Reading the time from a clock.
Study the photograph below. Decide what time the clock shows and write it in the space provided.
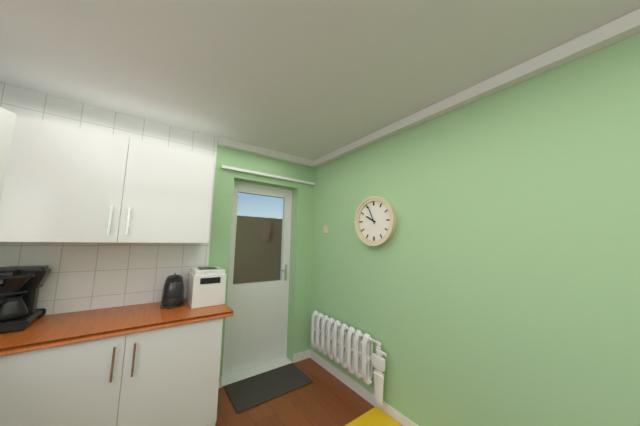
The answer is 9:56
